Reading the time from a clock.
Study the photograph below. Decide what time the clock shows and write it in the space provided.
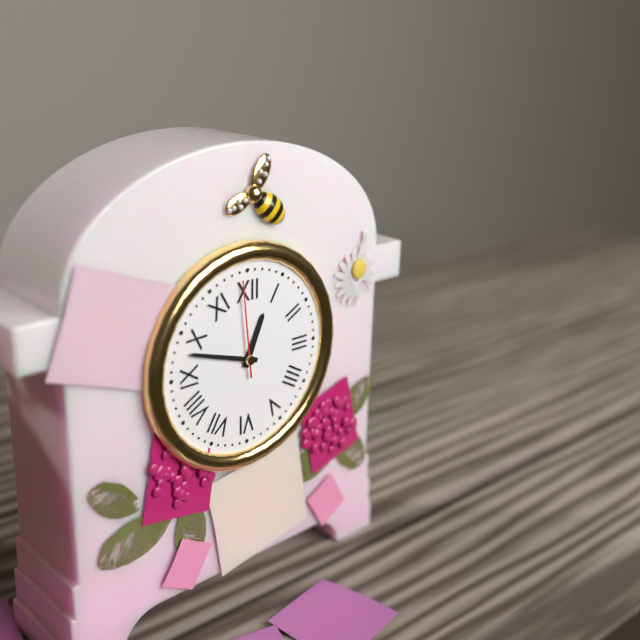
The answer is 12:48:59
